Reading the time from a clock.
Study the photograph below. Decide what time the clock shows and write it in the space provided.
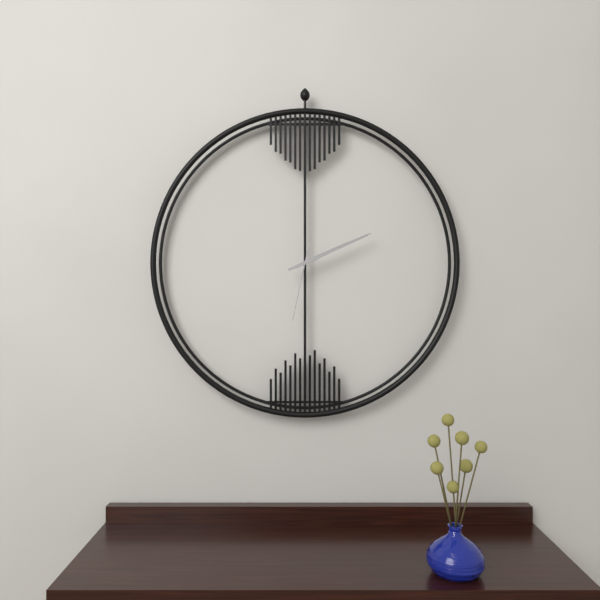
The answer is 2:11:32
